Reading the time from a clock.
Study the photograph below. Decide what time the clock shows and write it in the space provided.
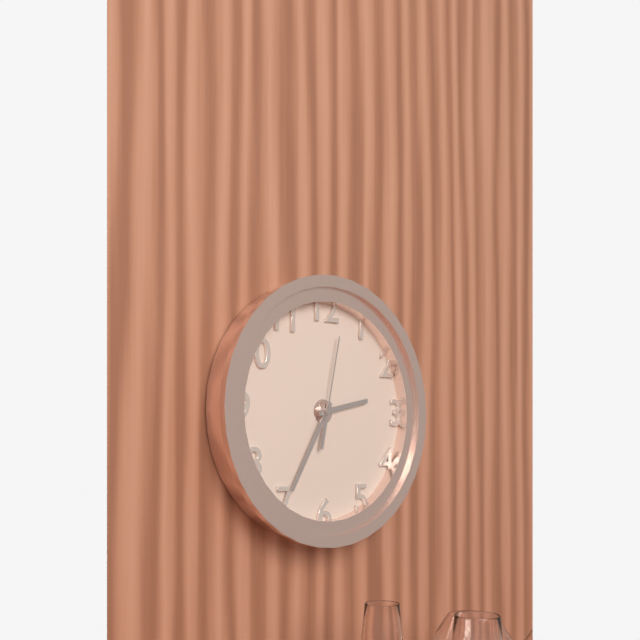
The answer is 2:35:02
